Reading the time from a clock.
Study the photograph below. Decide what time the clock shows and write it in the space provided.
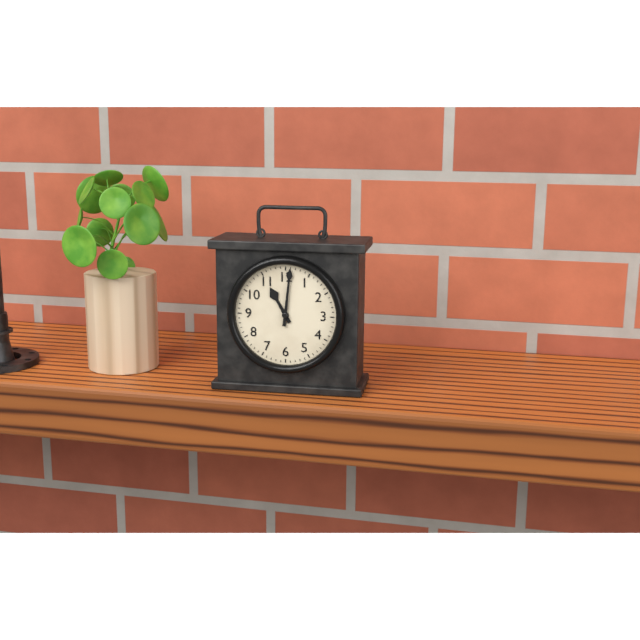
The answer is 11:01
